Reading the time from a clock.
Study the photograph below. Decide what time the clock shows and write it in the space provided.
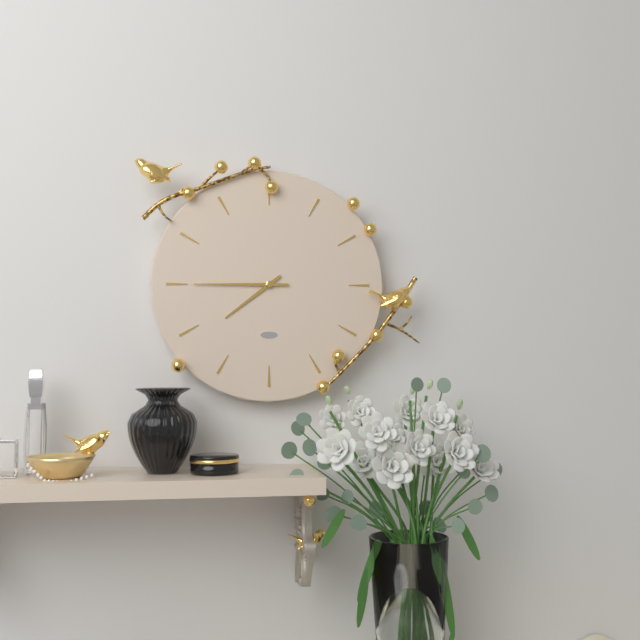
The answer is 7:45
